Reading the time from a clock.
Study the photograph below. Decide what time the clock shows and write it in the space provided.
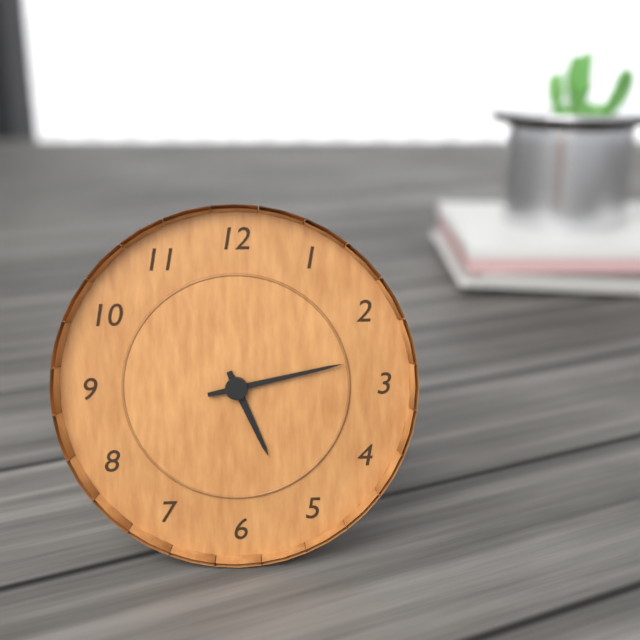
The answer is 5:13
